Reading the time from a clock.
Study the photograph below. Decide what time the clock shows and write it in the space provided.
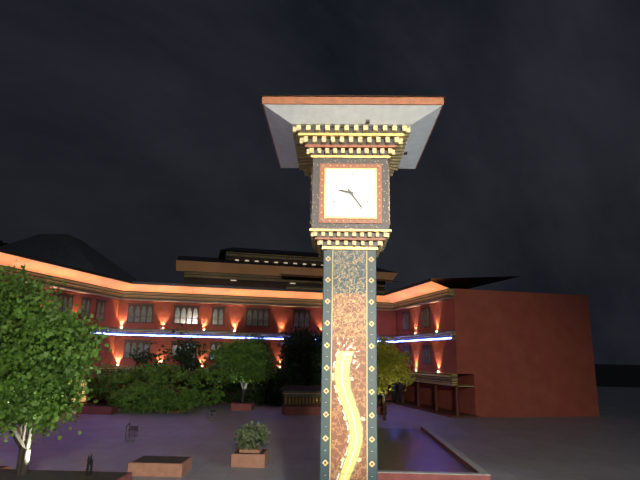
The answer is 9:24
